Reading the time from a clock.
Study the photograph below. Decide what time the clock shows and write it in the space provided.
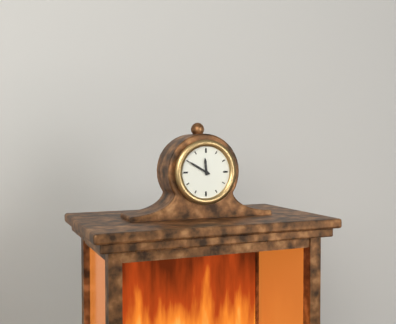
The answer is 11:50
